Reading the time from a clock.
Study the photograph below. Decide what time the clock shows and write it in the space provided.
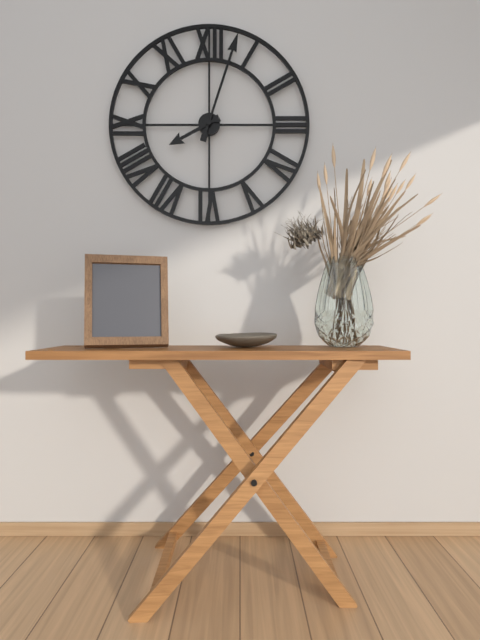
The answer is 8:03
